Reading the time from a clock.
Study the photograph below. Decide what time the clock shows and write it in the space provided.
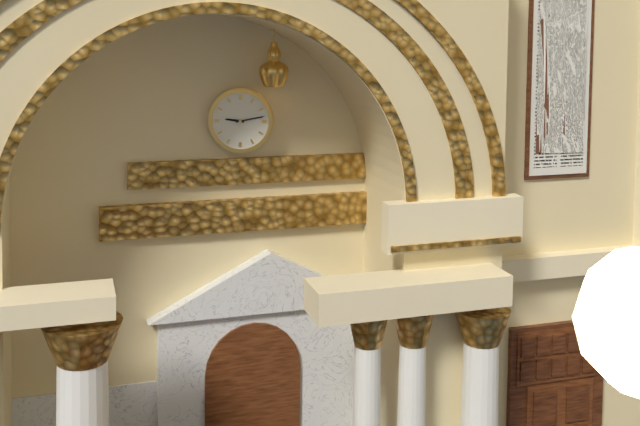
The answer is 9:13
